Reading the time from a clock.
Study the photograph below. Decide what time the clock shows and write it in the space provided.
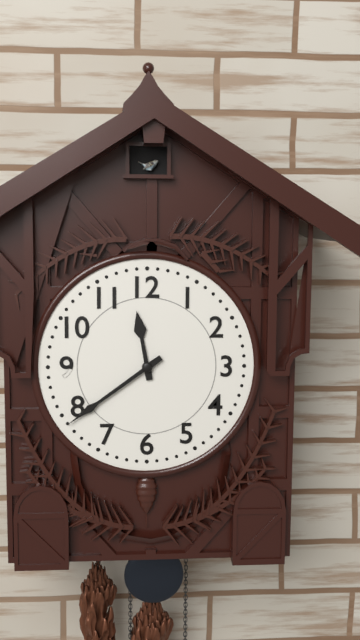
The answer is 11:39
